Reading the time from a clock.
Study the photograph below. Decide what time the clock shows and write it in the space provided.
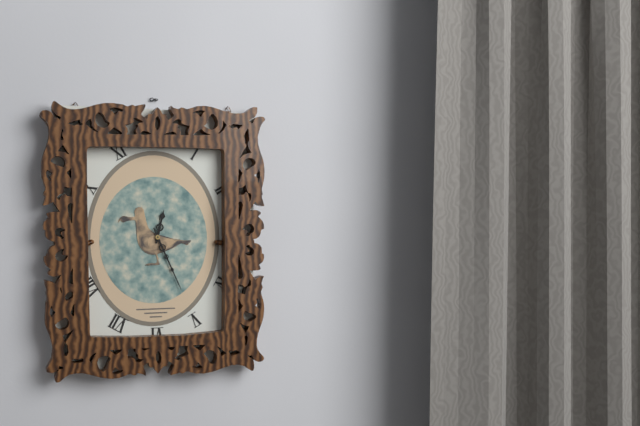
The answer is 12:26
